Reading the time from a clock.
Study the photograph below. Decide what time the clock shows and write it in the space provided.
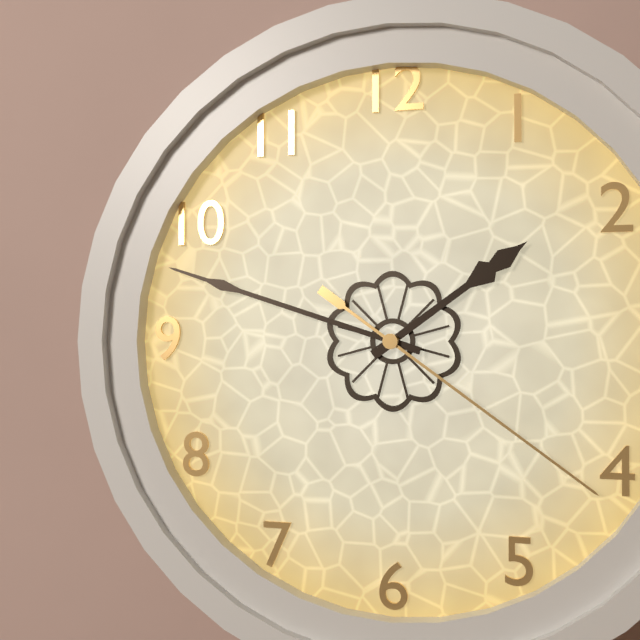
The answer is 1:48:21
